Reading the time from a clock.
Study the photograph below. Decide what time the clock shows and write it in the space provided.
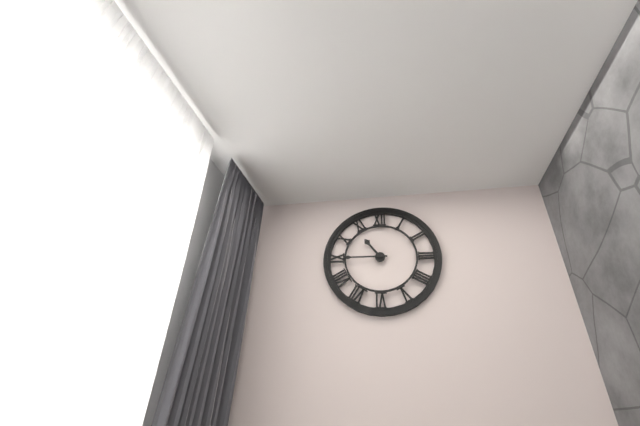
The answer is 10:45
